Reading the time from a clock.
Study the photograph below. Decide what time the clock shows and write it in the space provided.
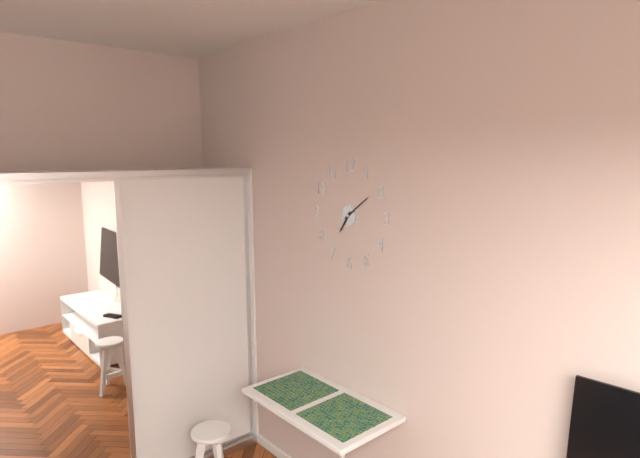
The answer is 7:09
